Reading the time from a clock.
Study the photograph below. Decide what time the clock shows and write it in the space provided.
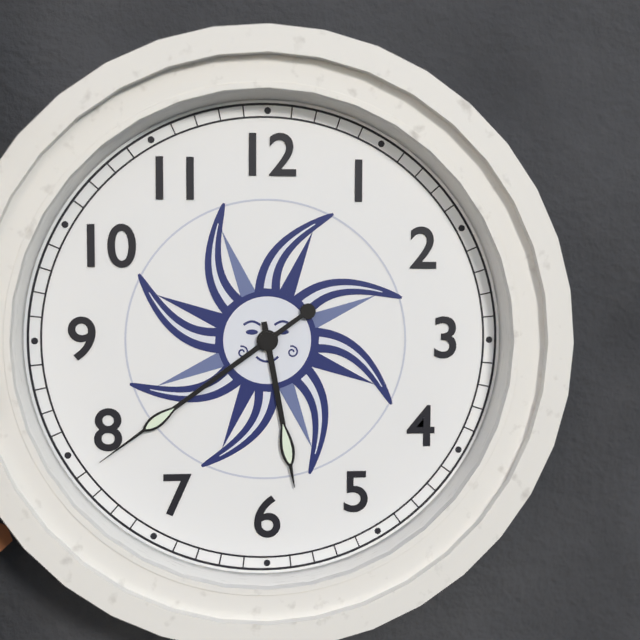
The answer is 5:39
